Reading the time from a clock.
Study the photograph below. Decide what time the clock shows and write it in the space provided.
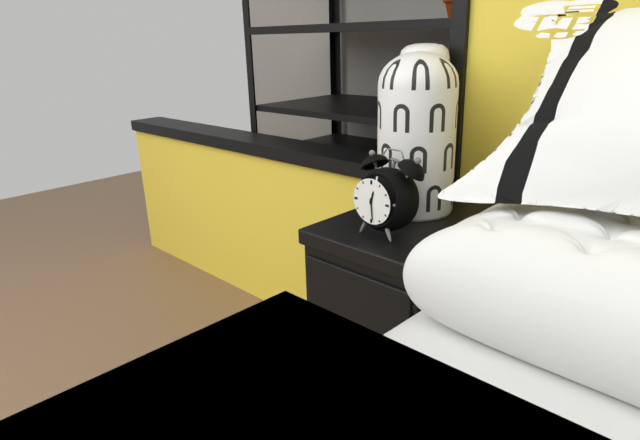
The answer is 12:29
